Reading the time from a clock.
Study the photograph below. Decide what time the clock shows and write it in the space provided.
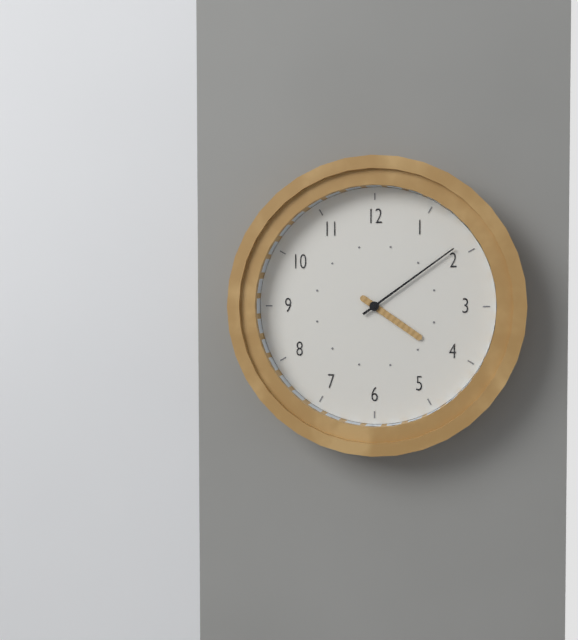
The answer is 4:09
